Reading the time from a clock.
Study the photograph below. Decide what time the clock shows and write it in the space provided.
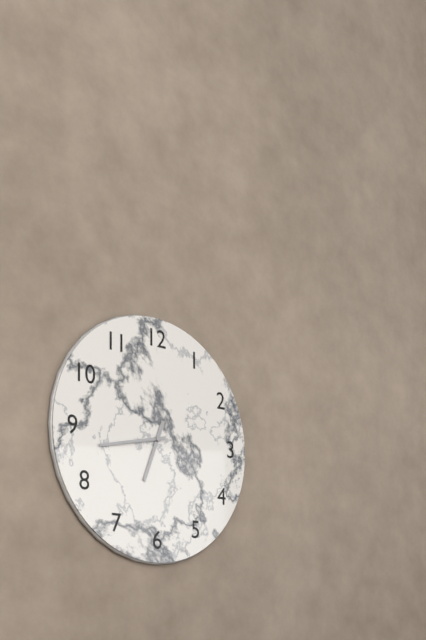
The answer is 6:43
